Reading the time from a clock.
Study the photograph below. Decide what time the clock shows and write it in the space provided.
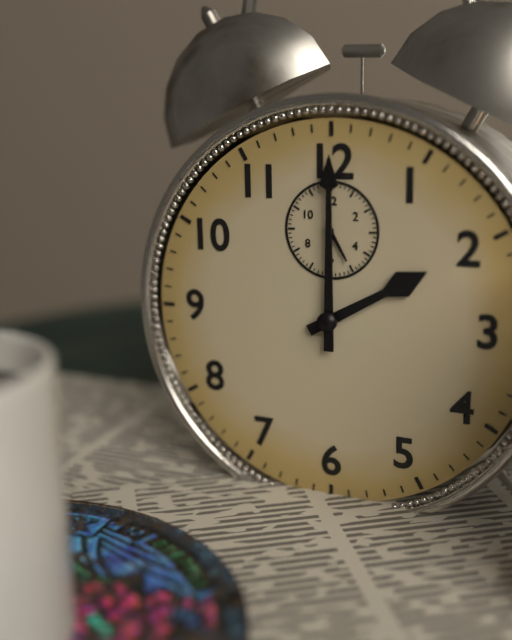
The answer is 2:00
